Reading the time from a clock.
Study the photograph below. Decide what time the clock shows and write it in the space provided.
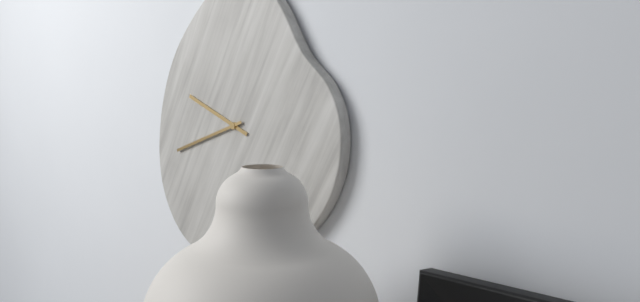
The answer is 9:42
